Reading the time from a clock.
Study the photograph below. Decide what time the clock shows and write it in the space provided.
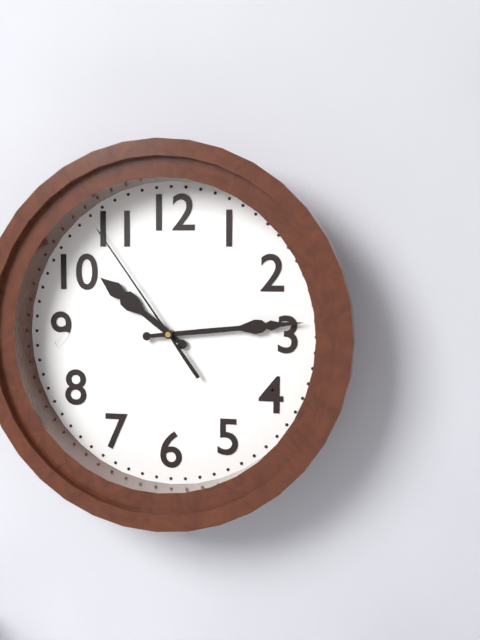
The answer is 10:14:54
